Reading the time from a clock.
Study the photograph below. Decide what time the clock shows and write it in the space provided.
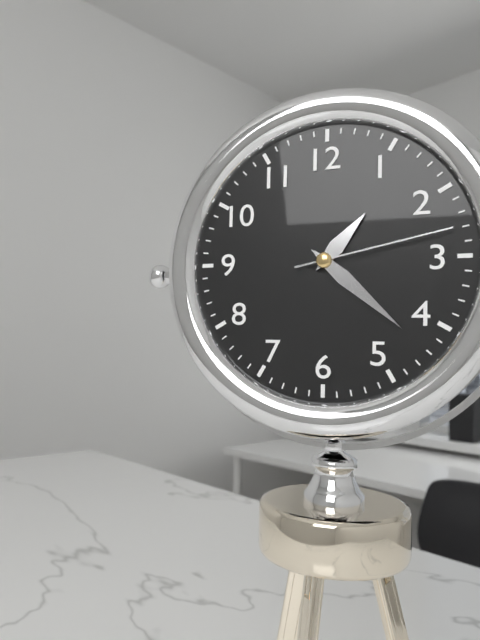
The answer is 1:22:13
